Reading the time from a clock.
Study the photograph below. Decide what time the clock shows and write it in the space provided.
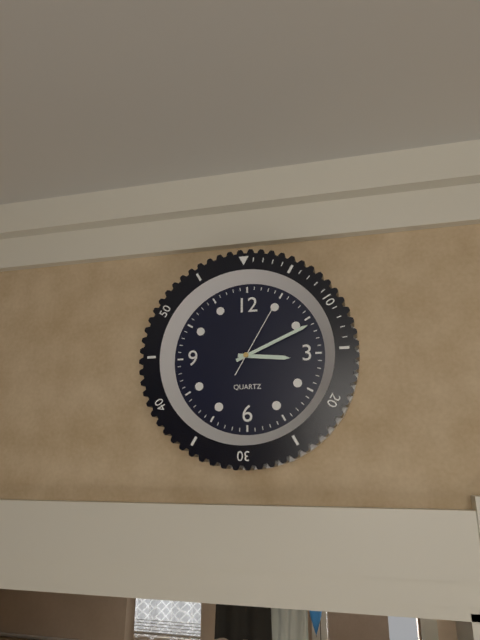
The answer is 3:11:05
